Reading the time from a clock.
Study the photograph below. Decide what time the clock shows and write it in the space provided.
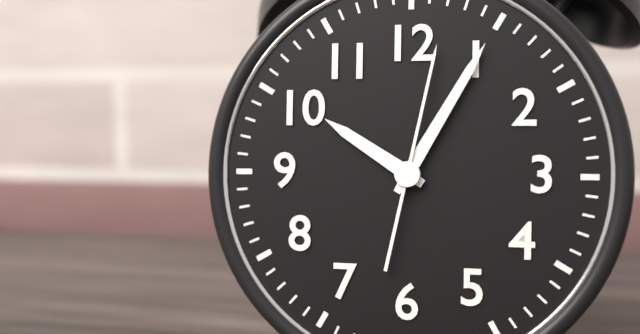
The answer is 10:05:02
